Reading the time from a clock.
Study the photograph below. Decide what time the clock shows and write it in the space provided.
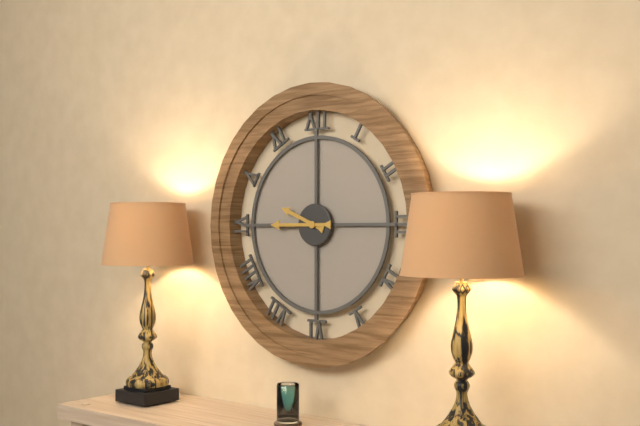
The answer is 9:45
